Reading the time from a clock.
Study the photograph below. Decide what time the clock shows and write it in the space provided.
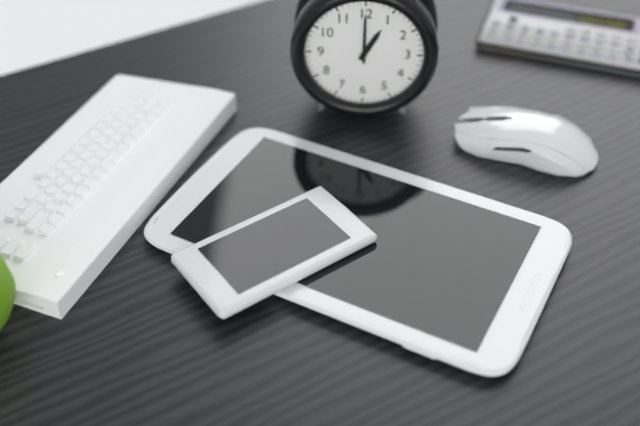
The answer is 1:00
